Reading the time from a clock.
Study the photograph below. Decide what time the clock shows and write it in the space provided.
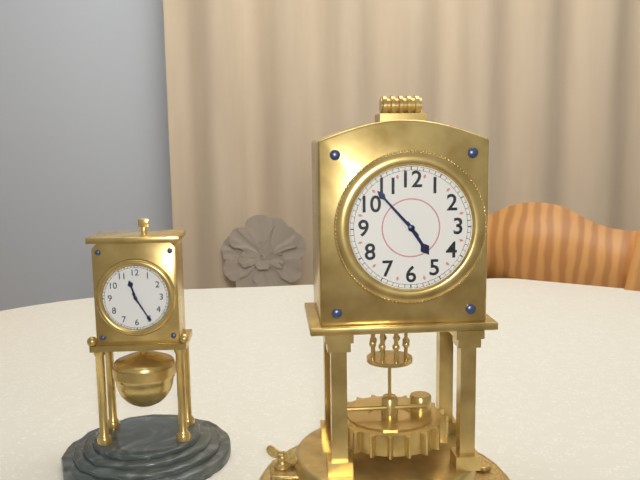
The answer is 4:53
